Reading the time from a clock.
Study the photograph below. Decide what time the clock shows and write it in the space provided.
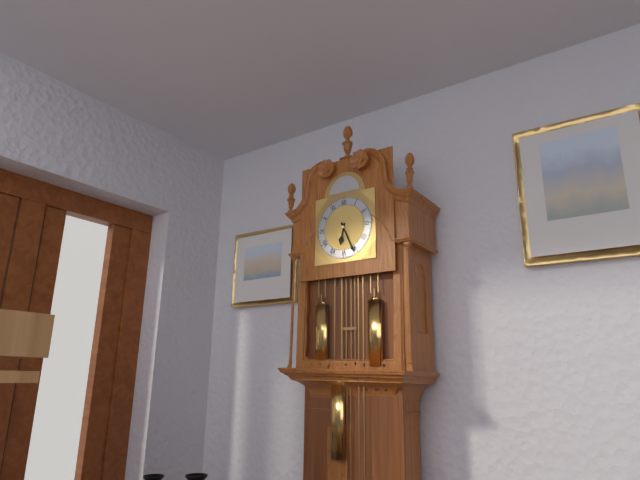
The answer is 6:26
